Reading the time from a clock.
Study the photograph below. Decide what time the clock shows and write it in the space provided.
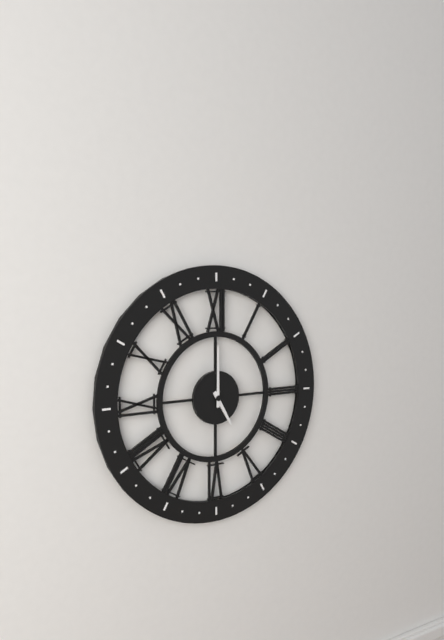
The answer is 5:00
